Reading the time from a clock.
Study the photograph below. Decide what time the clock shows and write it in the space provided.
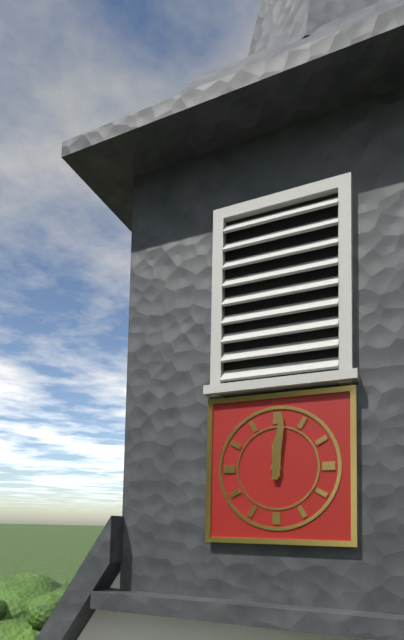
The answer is 12:01
